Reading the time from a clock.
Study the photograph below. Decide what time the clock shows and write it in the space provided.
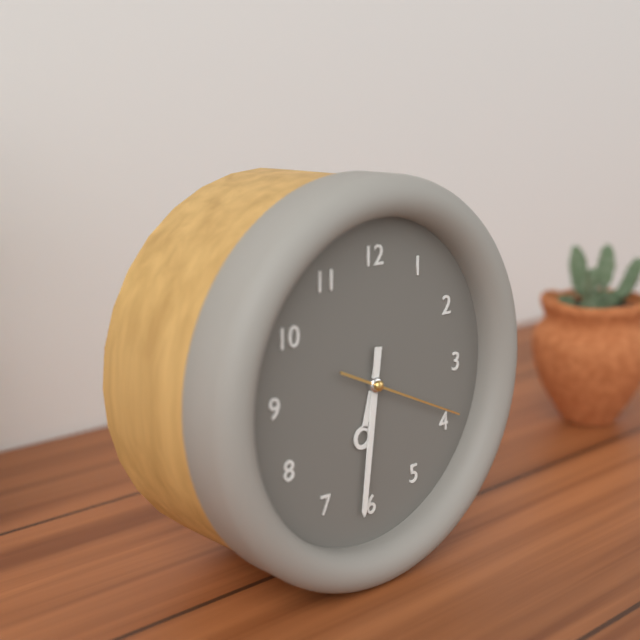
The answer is 6:31:19
